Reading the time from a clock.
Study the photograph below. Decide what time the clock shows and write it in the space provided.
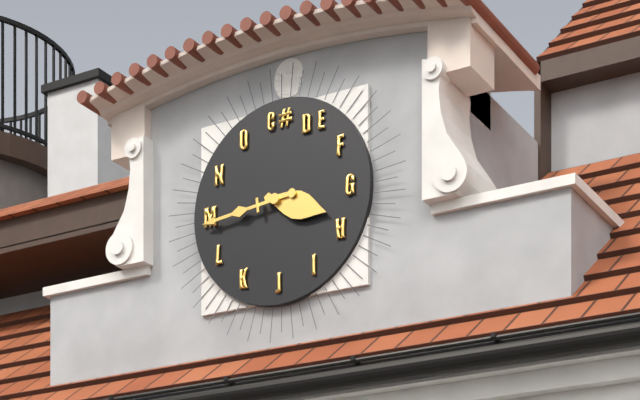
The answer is 3:44
